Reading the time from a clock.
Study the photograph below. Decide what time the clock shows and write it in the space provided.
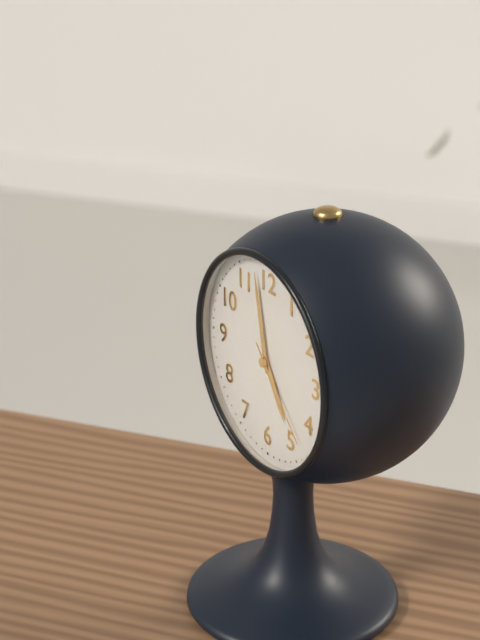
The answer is 4:58:23
